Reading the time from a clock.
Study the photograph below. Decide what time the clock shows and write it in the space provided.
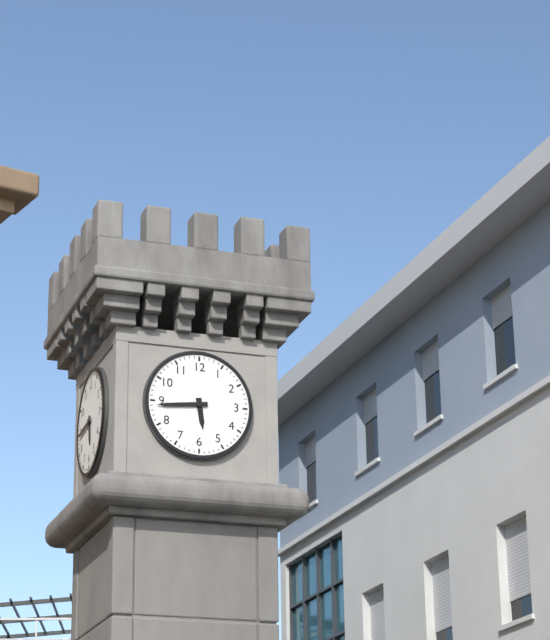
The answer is 5:44
